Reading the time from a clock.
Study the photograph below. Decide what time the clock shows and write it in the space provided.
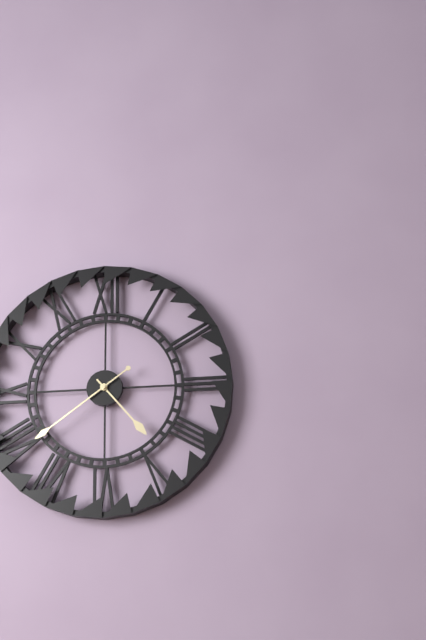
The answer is 4:39
